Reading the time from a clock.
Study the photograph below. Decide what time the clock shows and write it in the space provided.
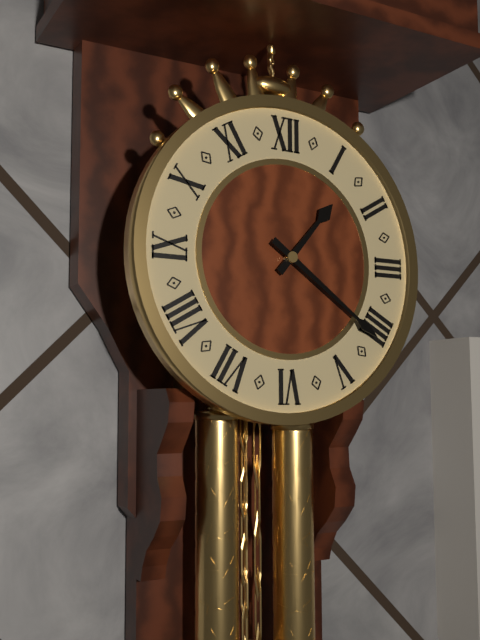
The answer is 1:21
